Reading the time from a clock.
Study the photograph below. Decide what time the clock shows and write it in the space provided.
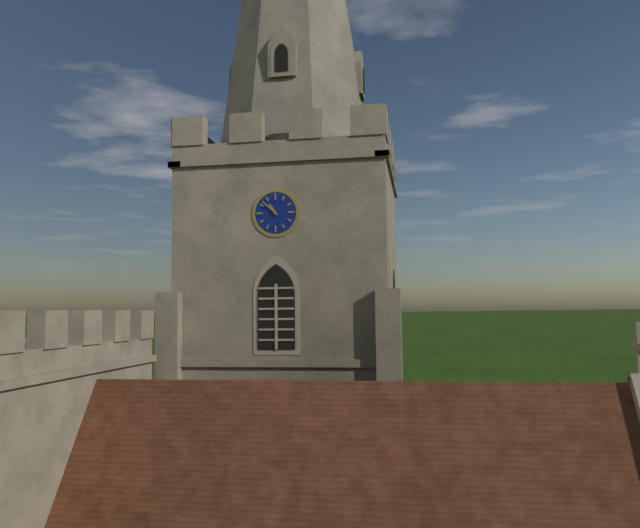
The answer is 10:52
